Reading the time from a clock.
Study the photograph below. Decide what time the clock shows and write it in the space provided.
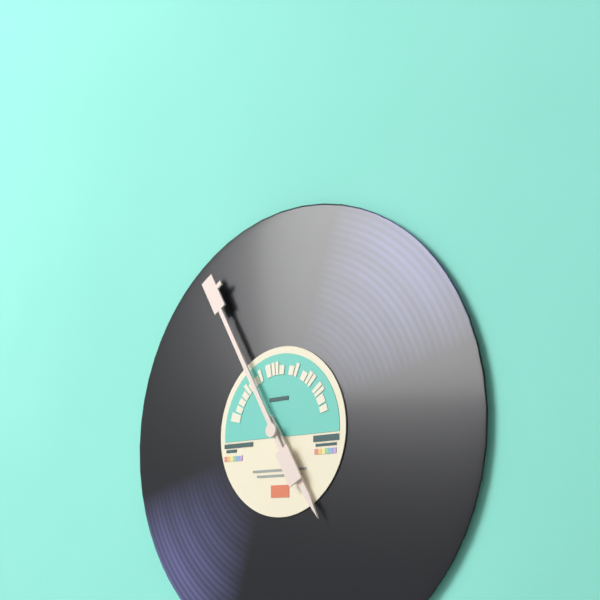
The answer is 4:55
